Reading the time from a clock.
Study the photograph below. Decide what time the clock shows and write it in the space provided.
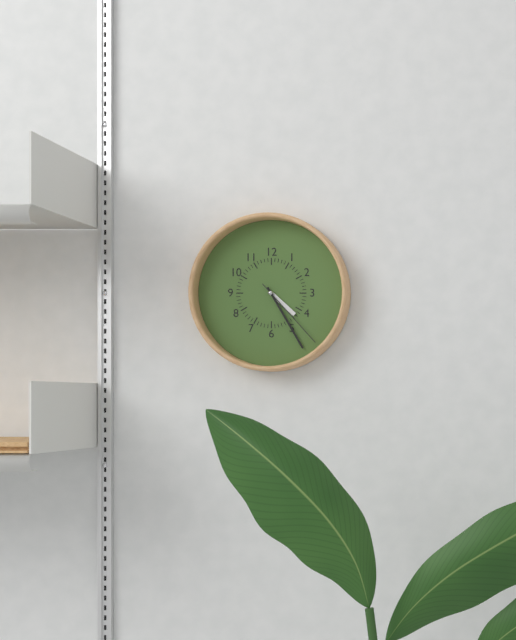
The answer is 4:25:23
